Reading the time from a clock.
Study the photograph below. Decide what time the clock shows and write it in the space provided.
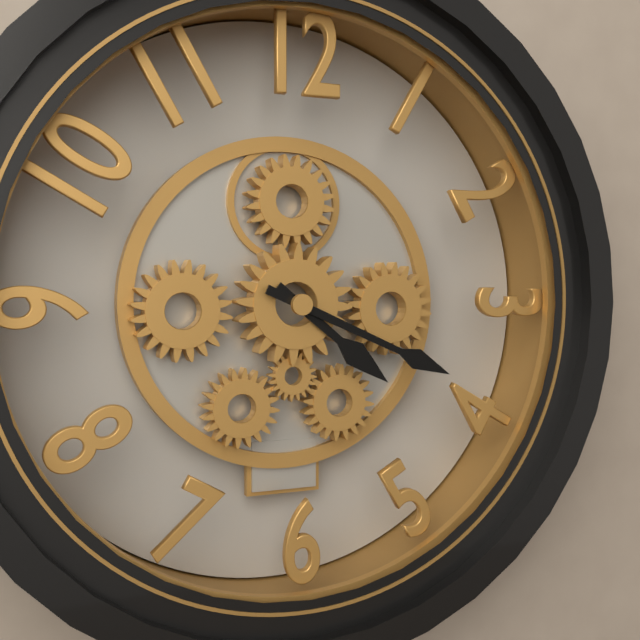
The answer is 4:19
